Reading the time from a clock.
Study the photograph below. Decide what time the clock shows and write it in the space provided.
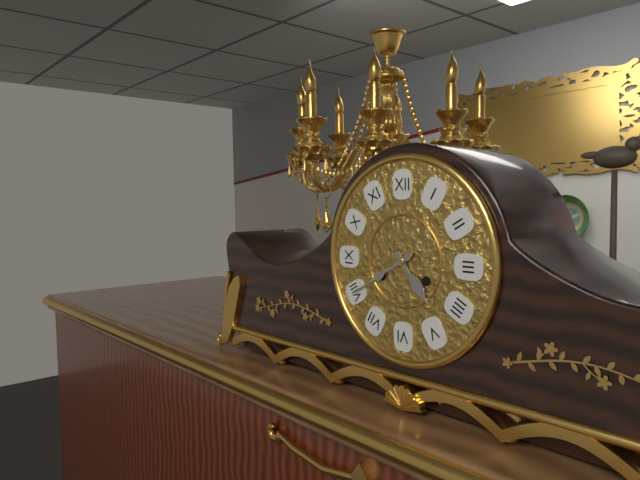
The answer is 4:40
